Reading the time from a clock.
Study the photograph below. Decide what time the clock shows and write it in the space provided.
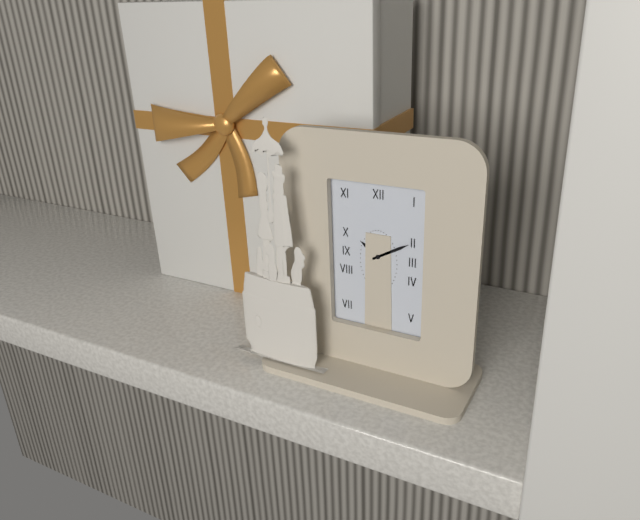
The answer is 10:10
